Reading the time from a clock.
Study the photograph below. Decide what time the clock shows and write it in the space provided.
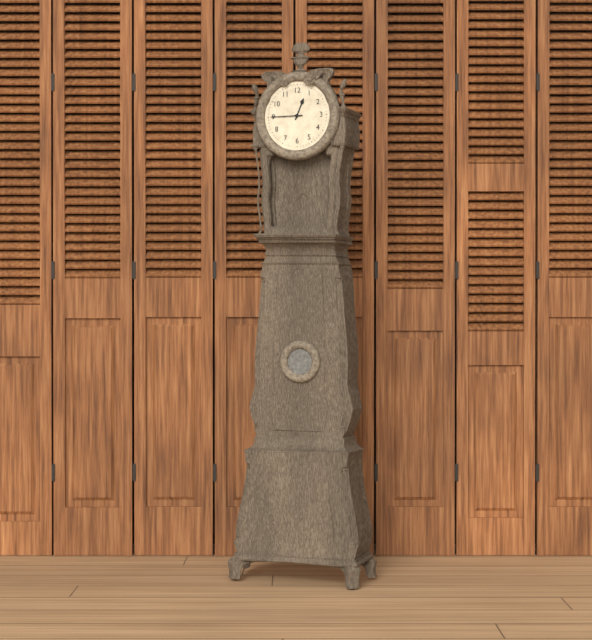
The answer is 12:45
